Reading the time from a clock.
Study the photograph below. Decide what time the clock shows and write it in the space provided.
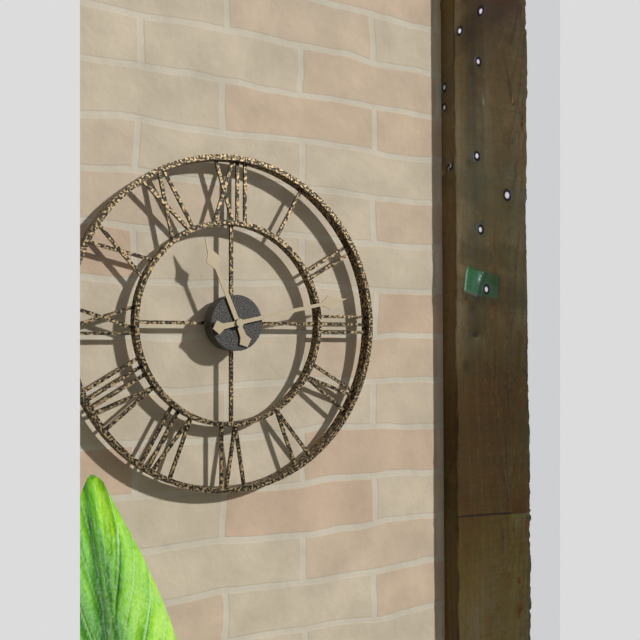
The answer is 11:13
